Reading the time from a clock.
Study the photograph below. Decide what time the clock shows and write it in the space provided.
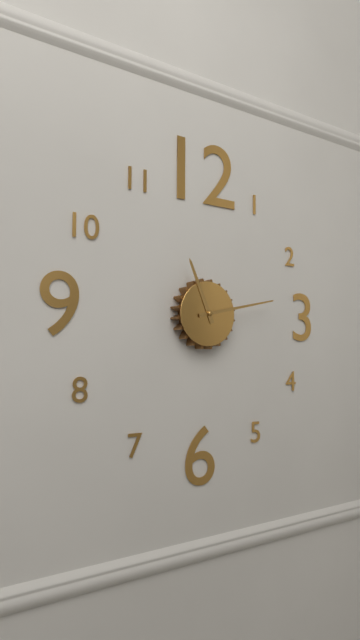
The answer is 11:13
